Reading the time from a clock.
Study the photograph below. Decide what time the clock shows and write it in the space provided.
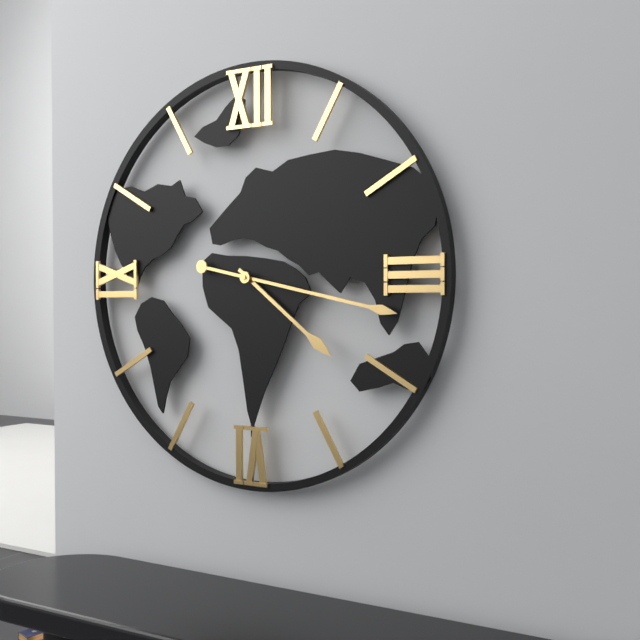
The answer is 4:17
